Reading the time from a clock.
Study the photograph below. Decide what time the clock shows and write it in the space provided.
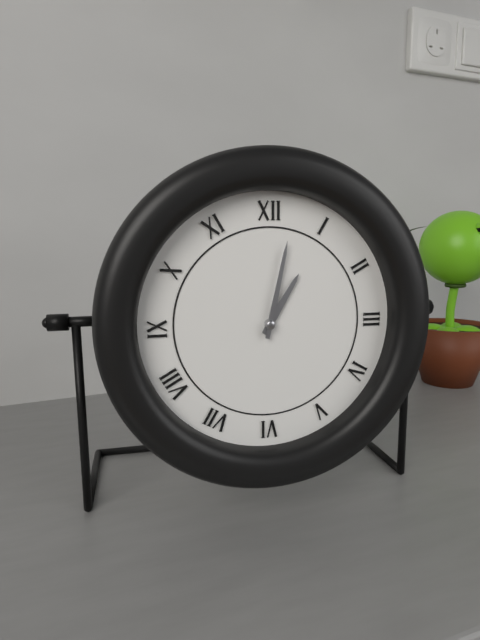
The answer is 1:02
